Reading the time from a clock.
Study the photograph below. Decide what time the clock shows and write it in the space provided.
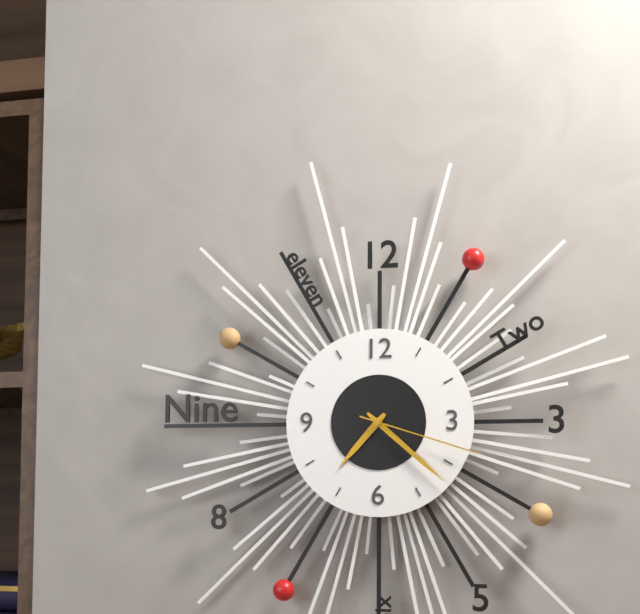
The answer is 7:22:18
